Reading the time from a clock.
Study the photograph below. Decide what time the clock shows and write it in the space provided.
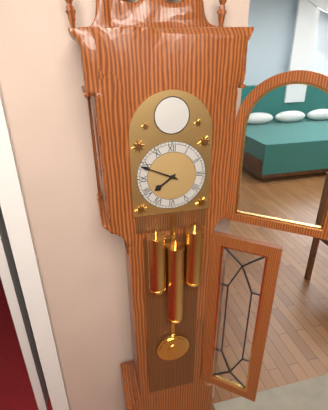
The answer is 7:49
